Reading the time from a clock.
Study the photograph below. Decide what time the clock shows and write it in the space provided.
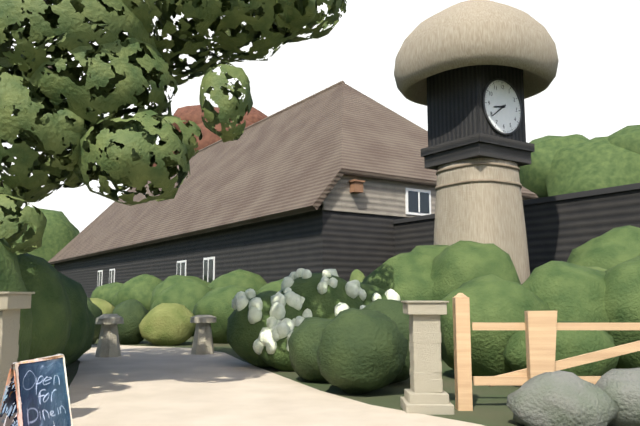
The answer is 8:39
